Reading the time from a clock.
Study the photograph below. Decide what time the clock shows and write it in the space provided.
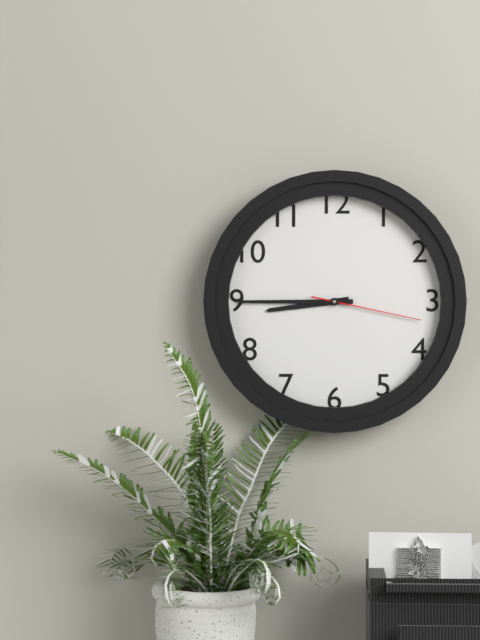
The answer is 8:45:17
